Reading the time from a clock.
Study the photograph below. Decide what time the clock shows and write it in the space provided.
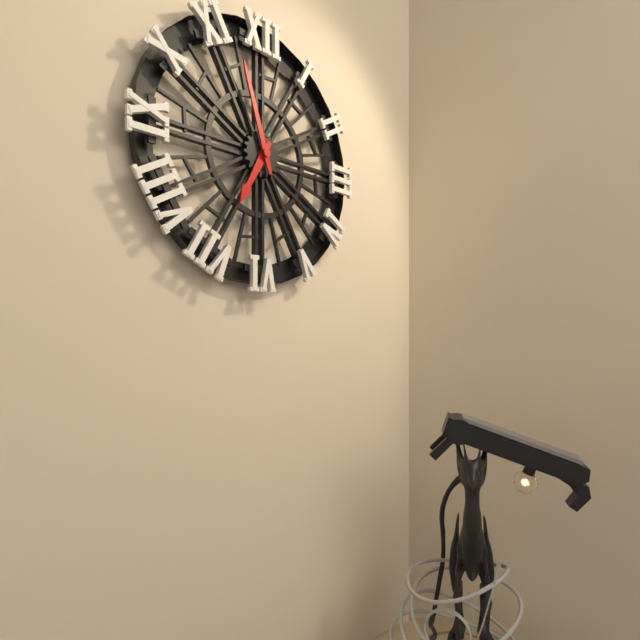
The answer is 6:57
